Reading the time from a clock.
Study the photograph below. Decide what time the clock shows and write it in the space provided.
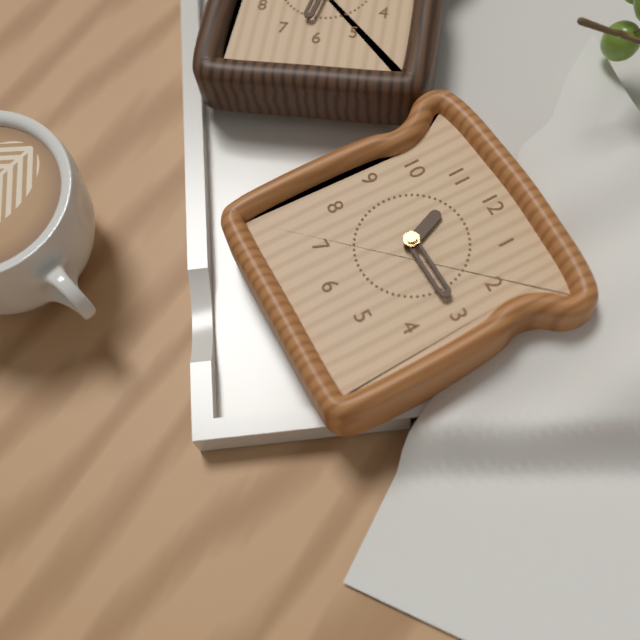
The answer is 11:15
